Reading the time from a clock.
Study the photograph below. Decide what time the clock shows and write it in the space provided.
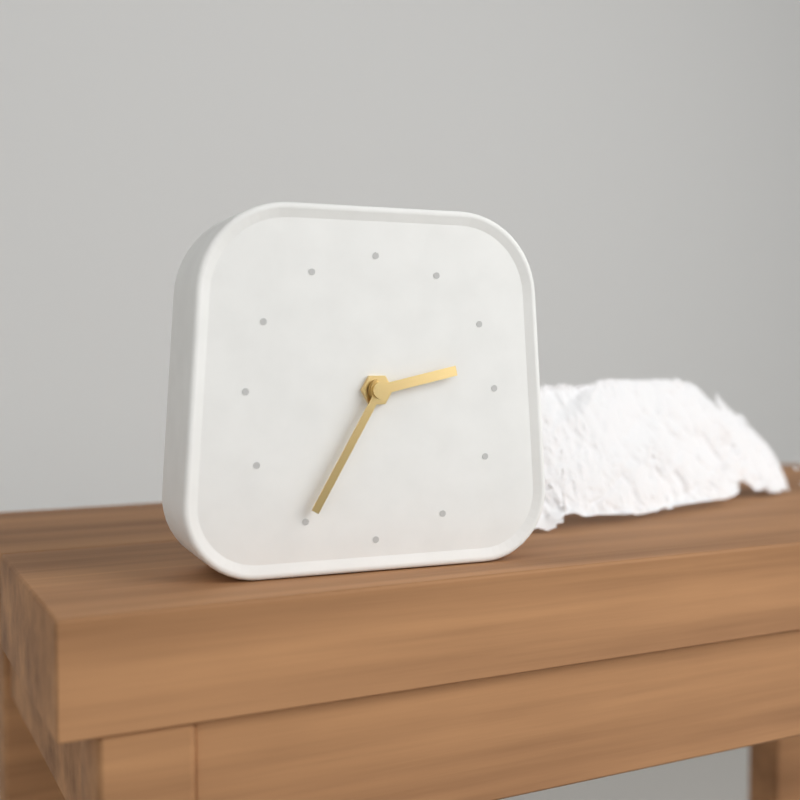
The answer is 2:35
